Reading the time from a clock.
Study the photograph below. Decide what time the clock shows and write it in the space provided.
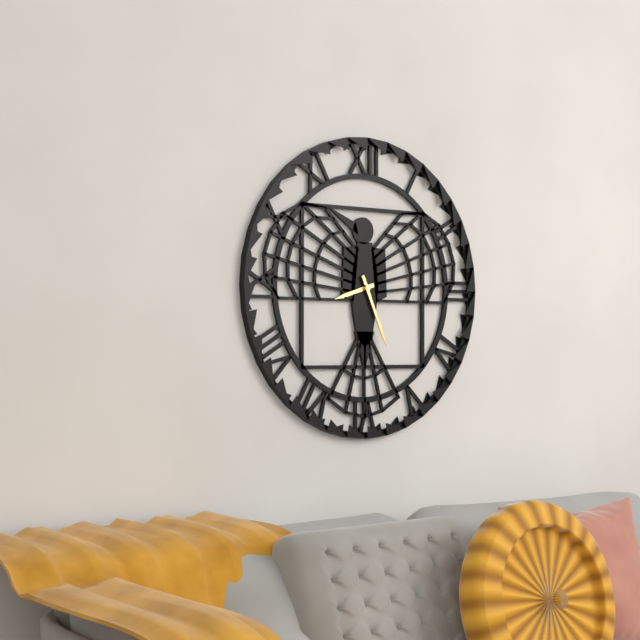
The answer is 8:26
